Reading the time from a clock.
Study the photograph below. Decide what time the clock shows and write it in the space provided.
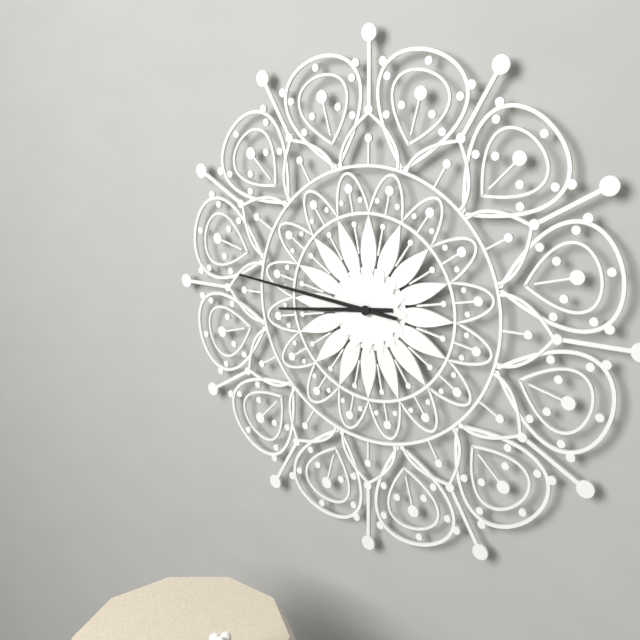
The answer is 8:46
